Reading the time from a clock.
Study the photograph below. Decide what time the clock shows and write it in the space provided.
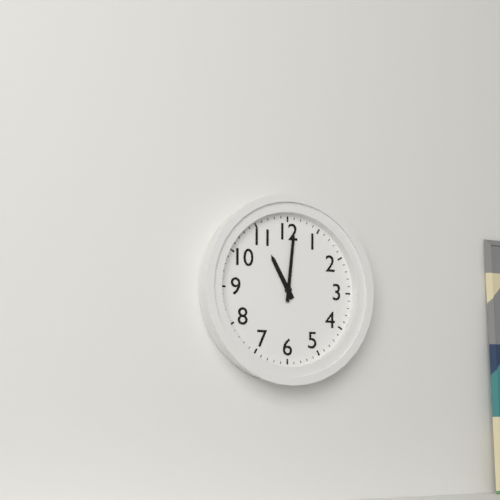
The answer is 11:01
